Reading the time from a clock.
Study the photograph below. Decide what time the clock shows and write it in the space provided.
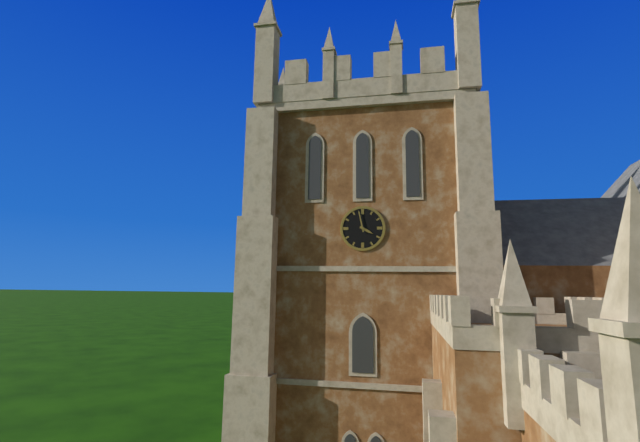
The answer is 3:58
